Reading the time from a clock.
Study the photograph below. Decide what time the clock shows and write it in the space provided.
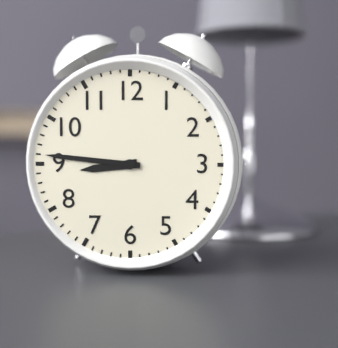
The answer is 8:46
